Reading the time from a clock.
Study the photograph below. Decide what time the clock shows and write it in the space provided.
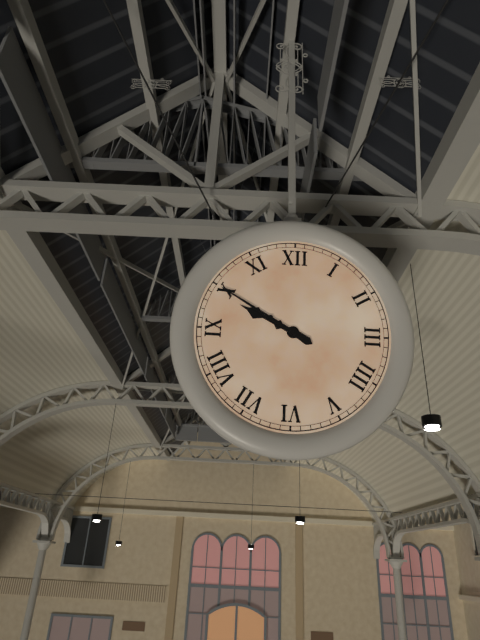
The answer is 9:50
